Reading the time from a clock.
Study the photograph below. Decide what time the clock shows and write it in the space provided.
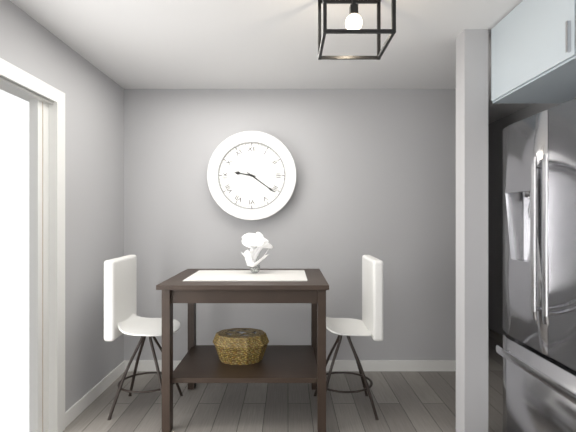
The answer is 9:21
